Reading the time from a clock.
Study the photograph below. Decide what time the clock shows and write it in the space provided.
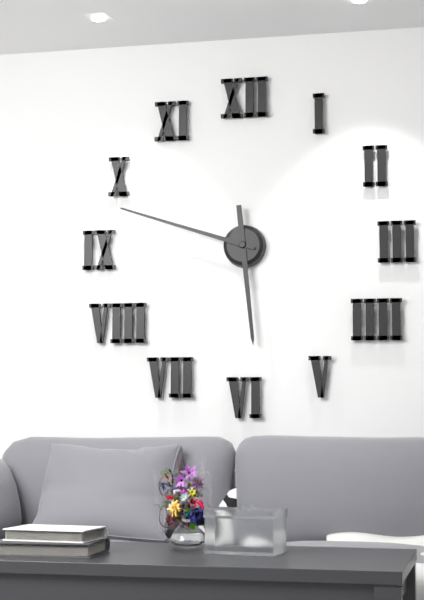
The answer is 5:48
